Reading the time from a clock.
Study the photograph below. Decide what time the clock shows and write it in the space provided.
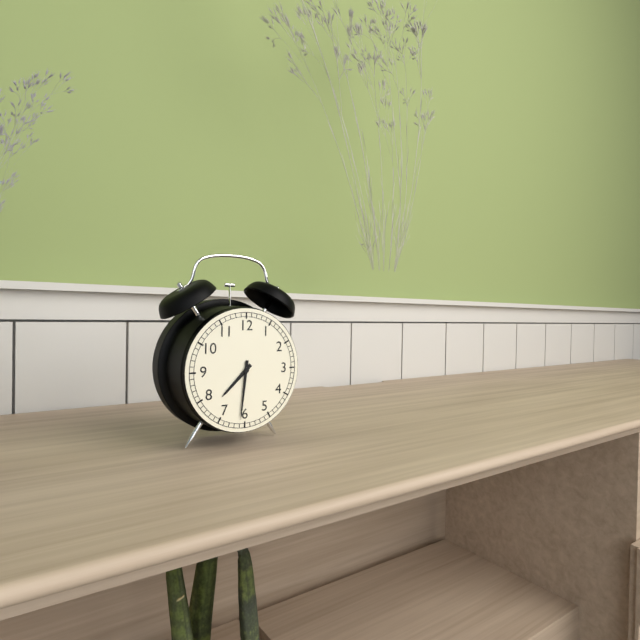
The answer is 7:31
